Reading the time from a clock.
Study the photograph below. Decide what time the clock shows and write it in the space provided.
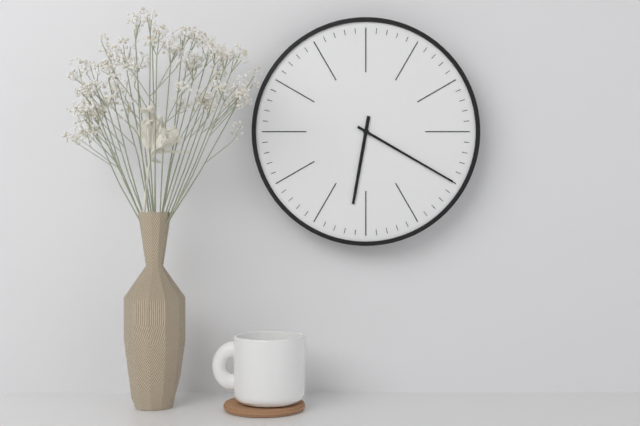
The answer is 6:20
